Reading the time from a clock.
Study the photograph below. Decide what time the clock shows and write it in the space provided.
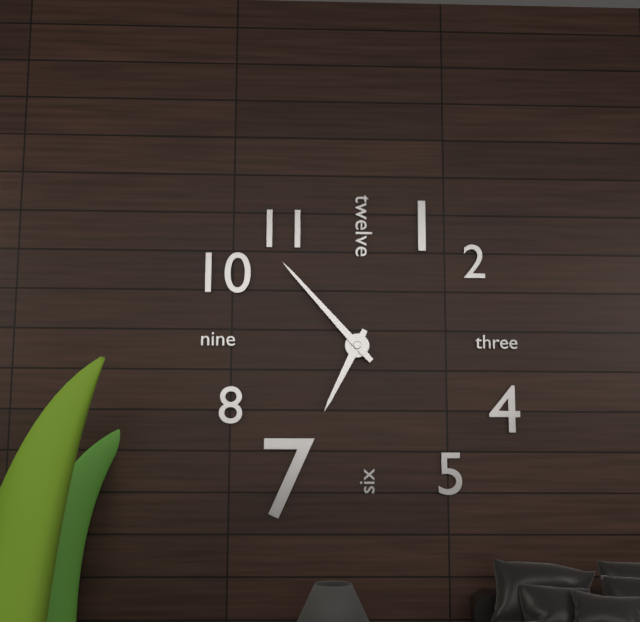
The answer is 6:53
